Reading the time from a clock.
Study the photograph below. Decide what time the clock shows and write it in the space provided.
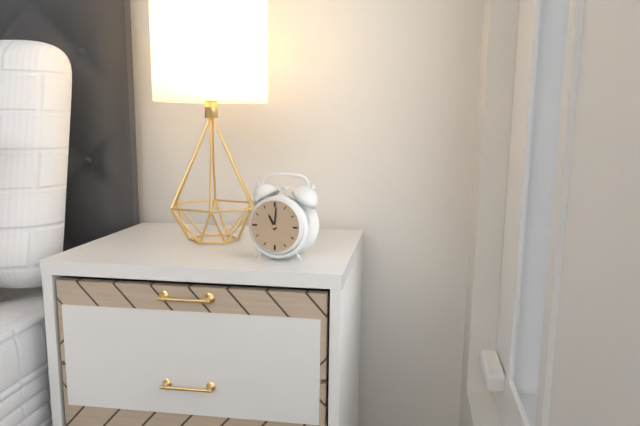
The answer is 11:01
